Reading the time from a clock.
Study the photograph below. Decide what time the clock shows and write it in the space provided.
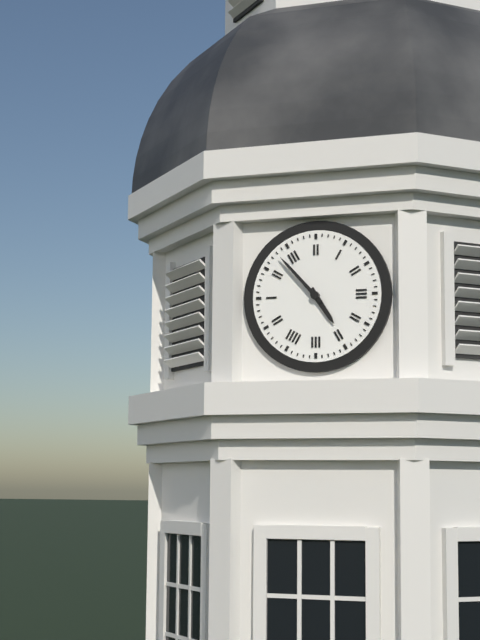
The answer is 4:53
